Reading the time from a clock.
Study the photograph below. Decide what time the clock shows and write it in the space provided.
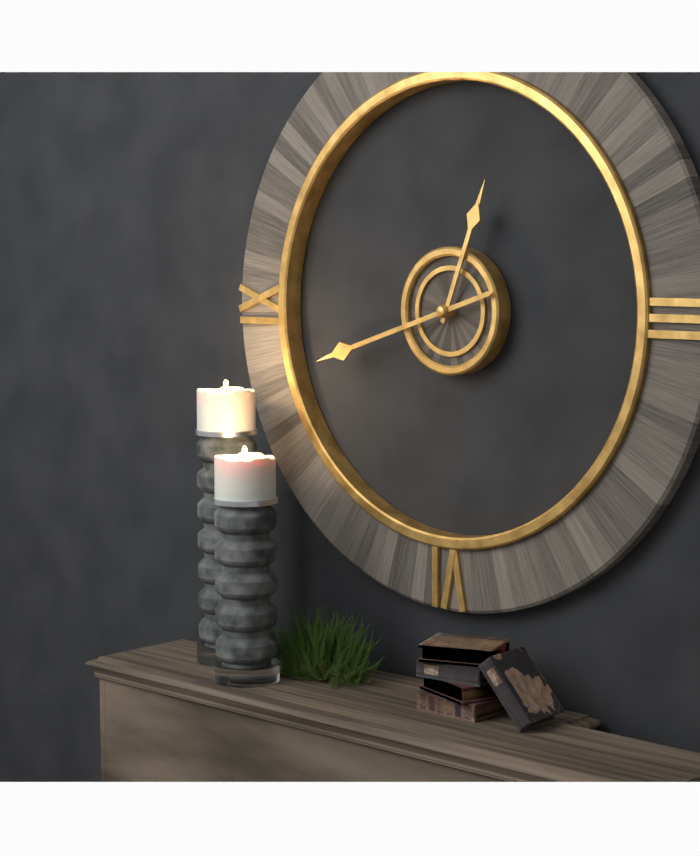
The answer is 12:42
